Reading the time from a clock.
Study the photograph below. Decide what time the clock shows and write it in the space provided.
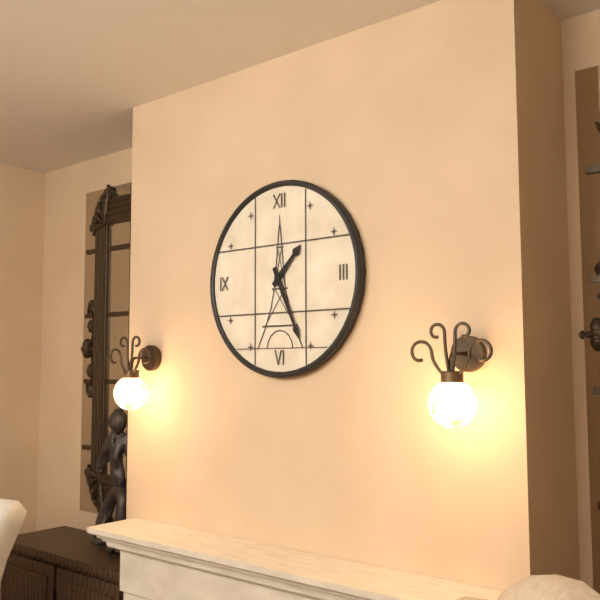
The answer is 1:26
